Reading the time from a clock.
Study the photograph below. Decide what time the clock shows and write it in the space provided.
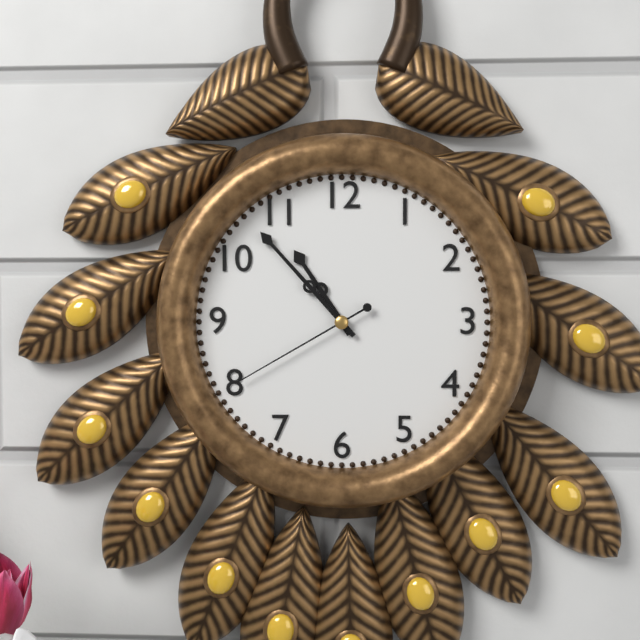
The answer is 10:53:40
